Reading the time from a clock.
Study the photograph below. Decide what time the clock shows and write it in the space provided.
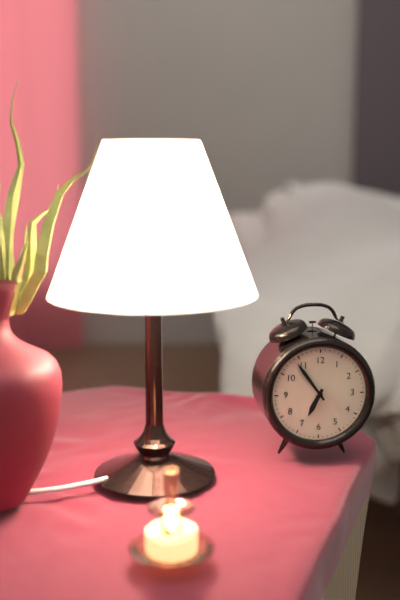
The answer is 6:54
